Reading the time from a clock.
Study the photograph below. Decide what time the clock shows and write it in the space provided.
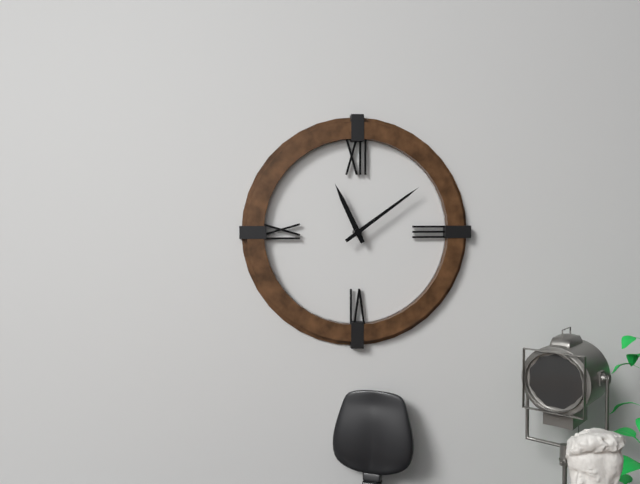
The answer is 11:09
